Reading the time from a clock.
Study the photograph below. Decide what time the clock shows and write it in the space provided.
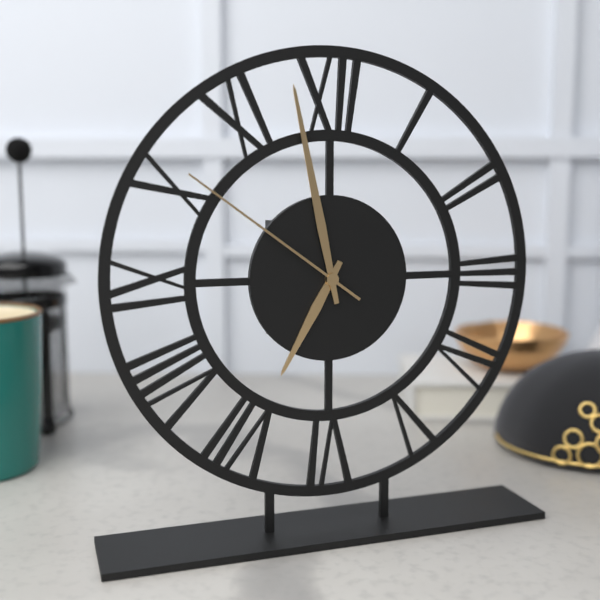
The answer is 6:58:51
